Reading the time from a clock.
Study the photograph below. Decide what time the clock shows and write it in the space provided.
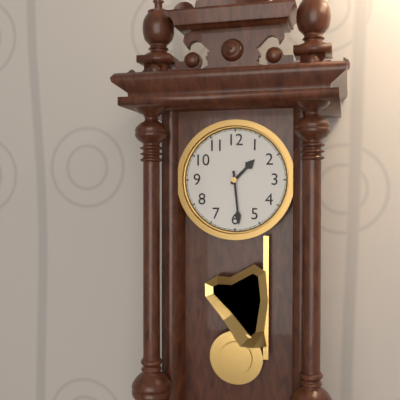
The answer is 1:29
